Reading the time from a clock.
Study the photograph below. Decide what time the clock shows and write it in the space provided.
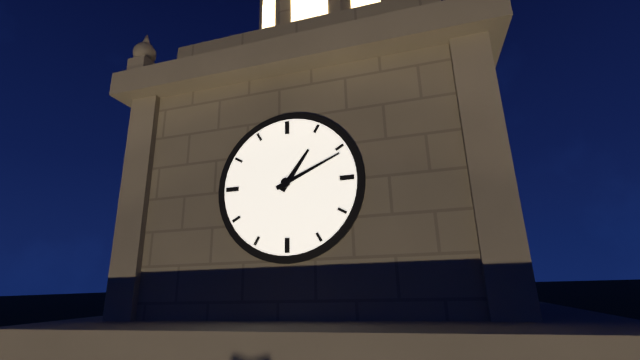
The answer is 1:11
